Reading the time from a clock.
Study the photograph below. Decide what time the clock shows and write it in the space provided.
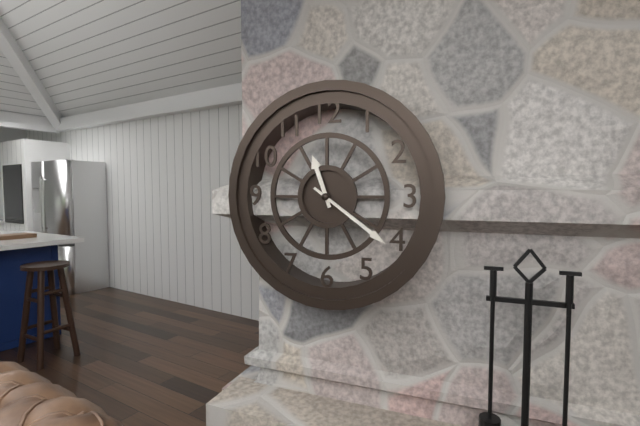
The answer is 11:21
